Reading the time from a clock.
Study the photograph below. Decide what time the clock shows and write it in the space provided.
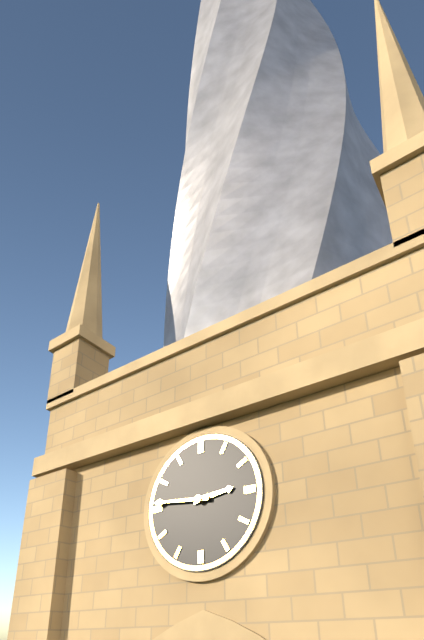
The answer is 2:46
